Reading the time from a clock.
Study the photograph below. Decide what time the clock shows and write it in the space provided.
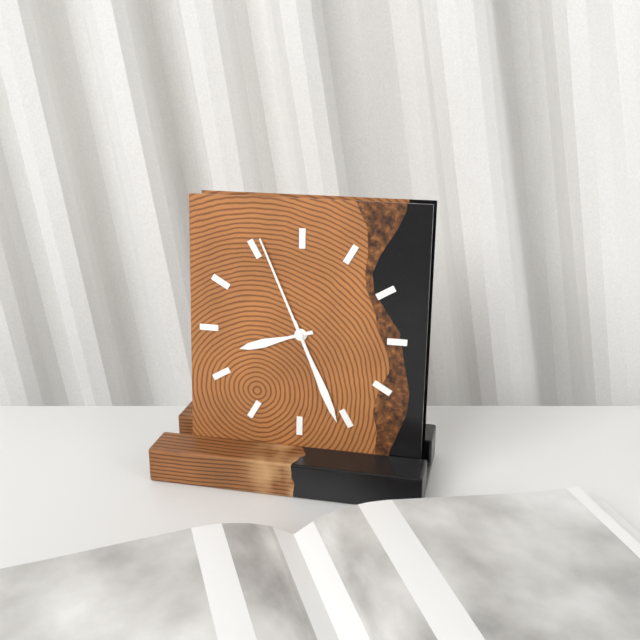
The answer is 8:26:56
